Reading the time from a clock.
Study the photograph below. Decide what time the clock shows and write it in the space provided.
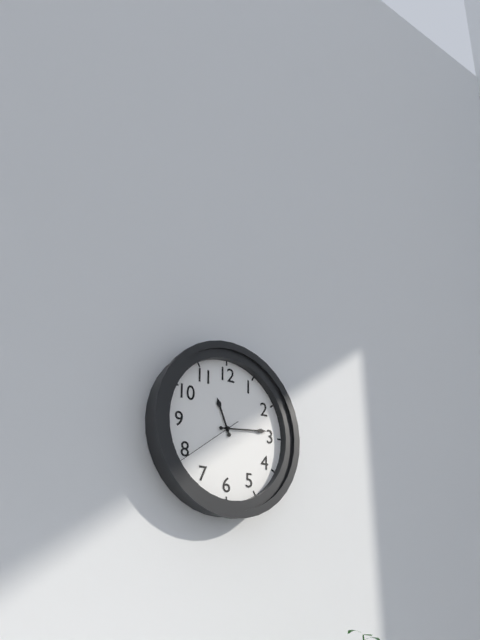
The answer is 11:14:39
